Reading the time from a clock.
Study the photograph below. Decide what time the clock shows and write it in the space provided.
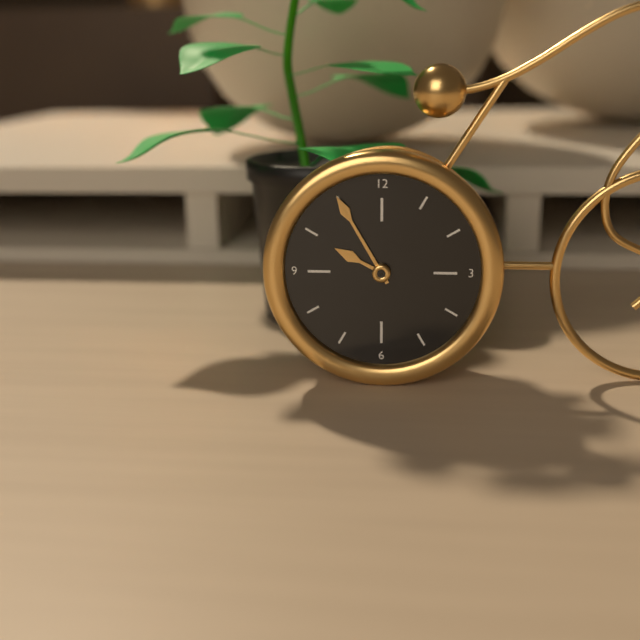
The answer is 9:55
